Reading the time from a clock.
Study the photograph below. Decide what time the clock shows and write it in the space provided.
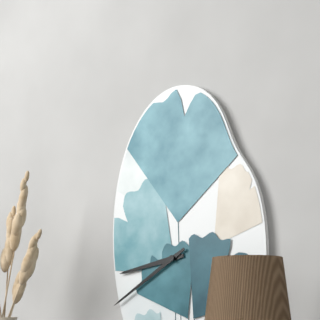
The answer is 8:40
